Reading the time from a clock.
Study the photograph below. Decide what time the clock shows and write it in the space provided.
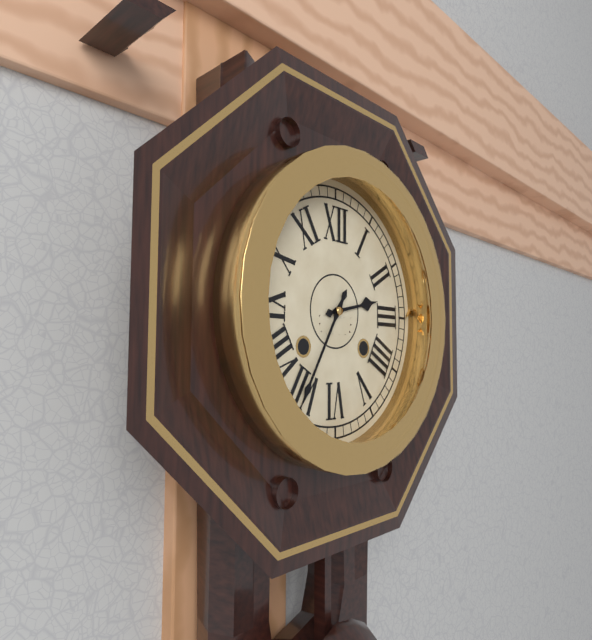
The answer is 2:35
